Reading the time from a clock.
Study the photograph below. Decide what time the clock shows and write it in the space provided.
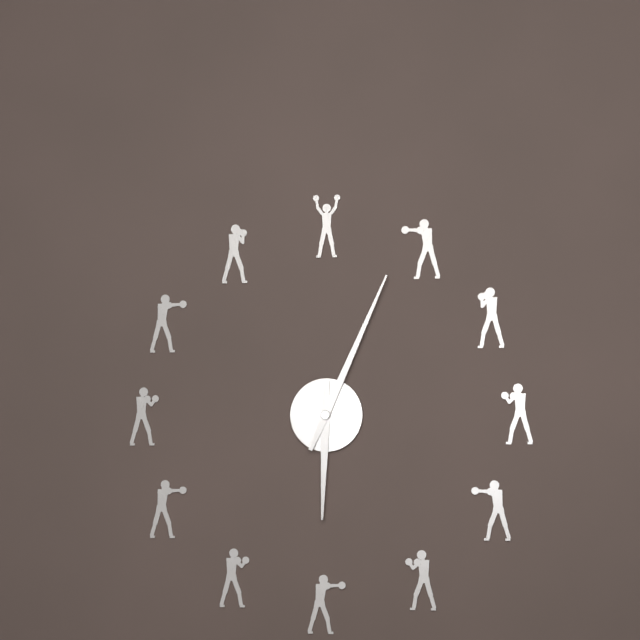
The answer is 6:04
